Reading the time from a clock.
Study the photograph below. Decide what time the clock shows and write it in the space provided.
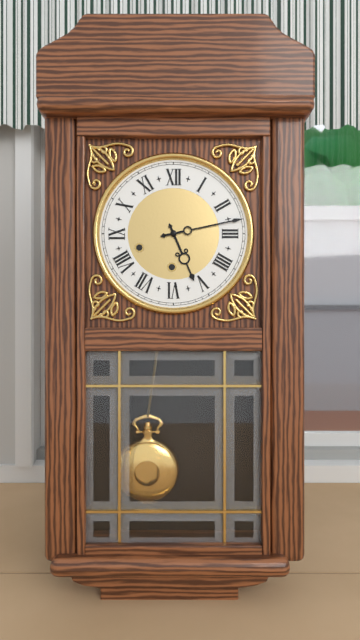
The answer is 5:13
